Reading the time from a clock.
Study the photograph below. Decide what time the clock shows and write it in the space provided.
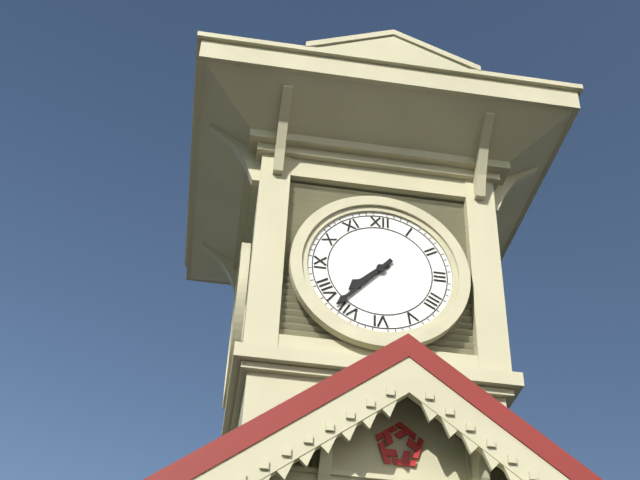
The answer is 7:37
